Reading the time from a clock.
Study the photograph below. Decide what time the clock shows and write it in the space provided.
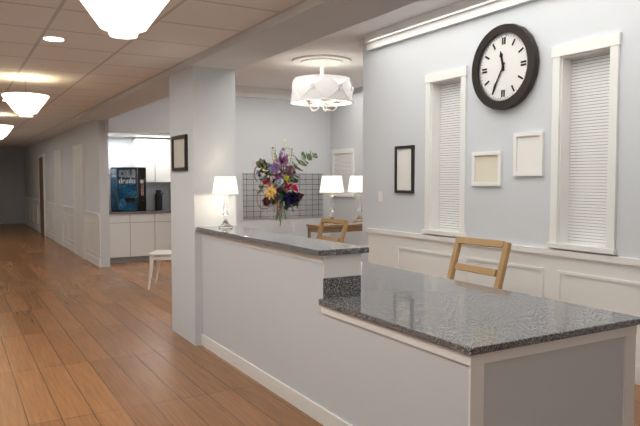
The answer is 11:35
